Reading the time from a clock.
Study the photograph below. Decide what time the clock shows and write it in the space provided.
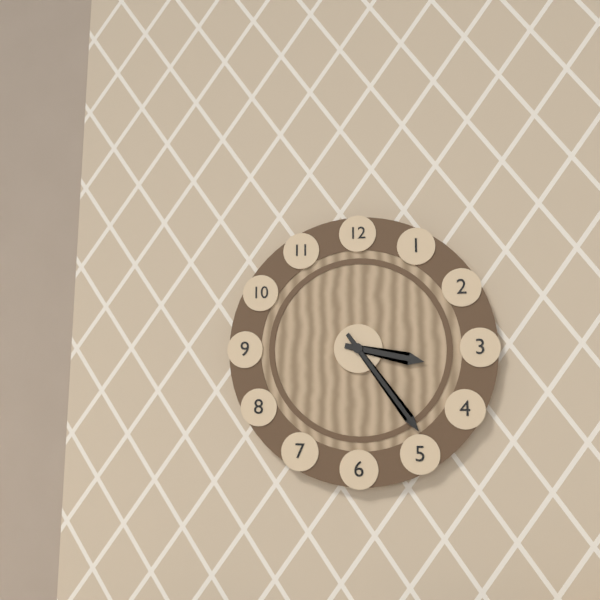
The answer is 3:24
